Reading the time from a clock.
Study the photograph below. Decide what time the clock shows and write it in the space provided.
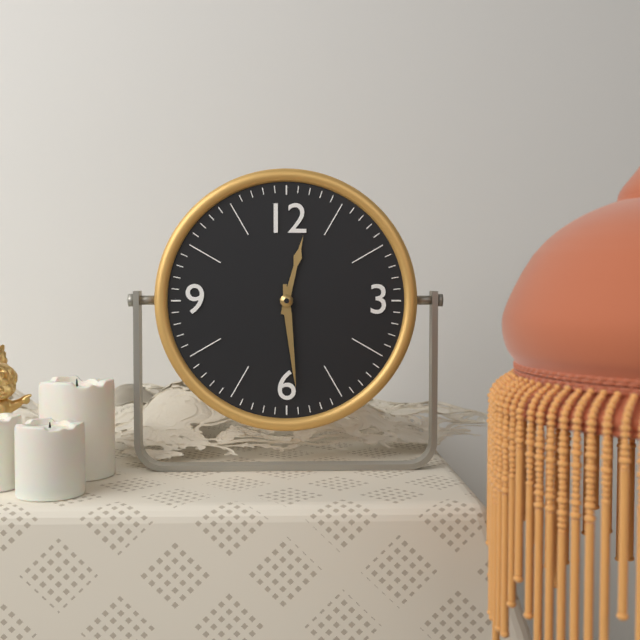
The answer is 12:29
